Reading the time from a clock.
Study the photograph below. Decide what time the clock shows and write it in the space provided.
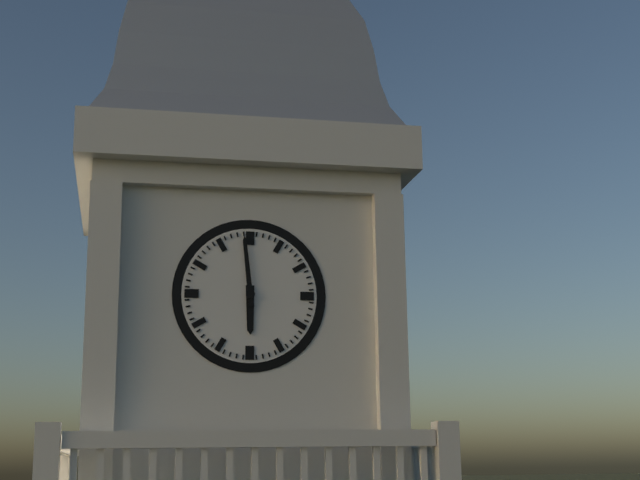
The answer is 5:59
